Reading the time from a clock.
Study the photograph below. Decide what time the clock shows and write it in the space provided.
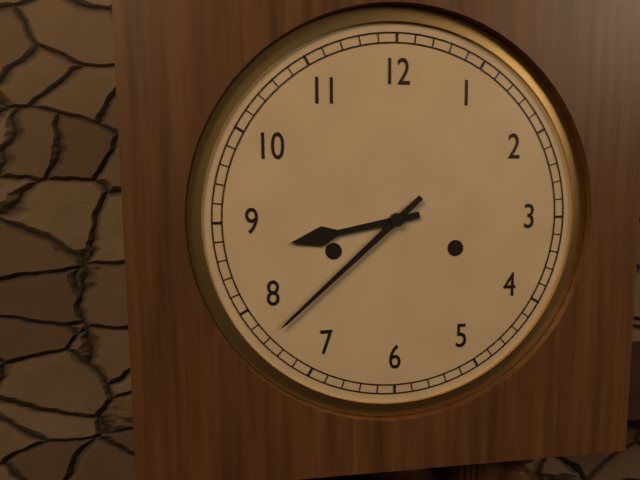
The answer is 8:38
